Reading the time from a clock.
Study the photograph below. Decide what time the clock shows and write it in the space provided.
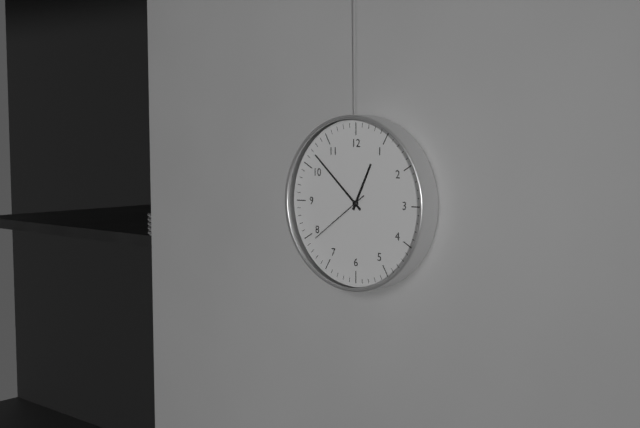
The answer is 12:52:39
